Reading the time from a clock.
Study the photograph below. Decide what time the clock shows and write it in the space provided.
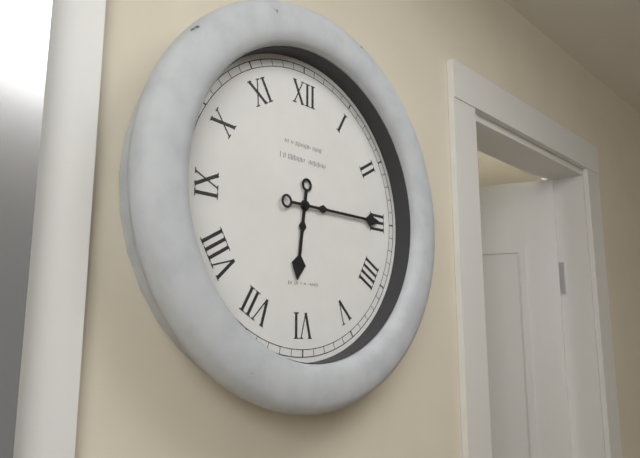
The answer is 6:15
